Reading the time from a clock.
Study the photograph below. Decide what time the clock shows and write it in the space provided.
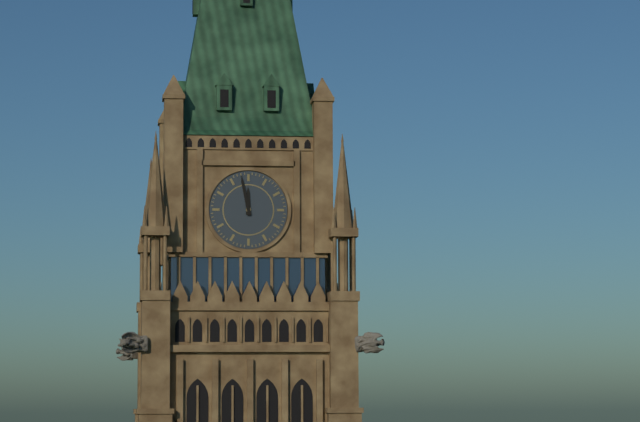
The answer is 11:58
